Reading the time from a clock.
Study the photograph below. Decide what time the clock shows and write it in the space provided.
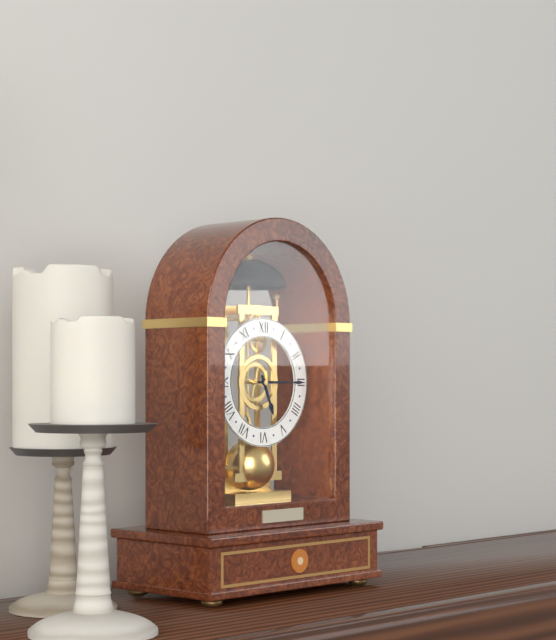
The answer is 5:15
